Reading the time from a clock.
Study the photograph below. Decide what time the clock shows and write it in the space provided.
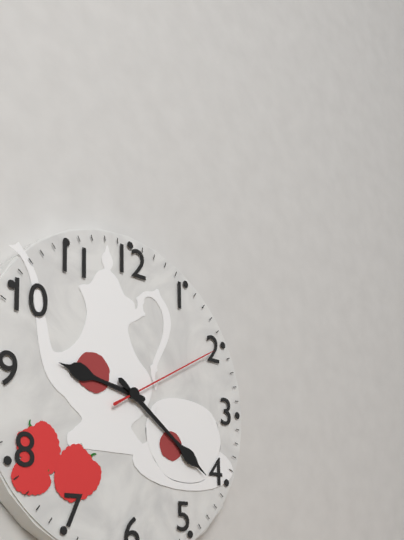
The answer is 9:21:10
